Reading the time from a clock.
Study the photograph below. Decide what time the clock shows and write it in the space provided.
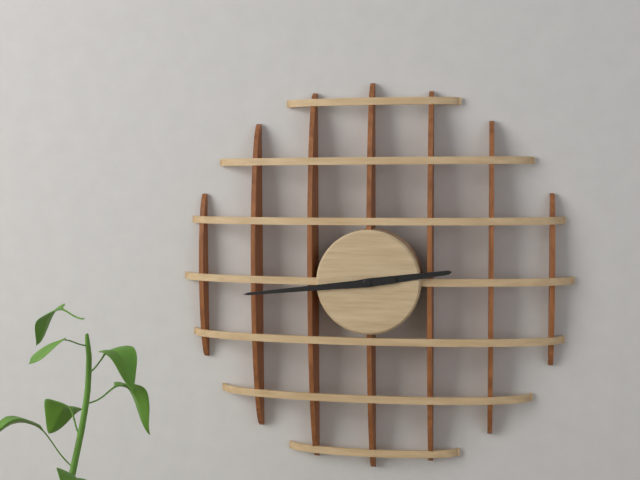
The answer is 2:44
